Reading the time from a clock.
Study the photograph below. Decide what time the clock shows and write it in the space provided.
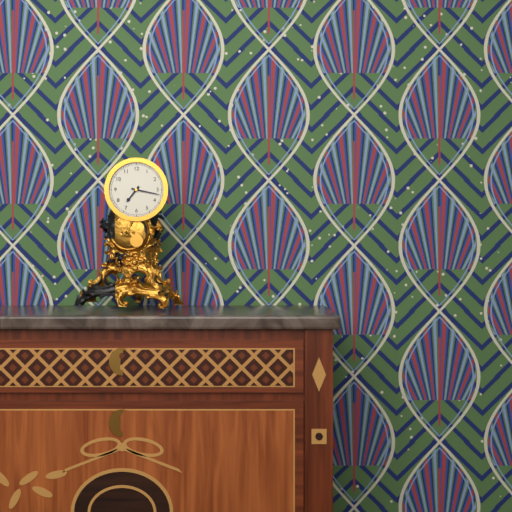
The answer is 7:17
